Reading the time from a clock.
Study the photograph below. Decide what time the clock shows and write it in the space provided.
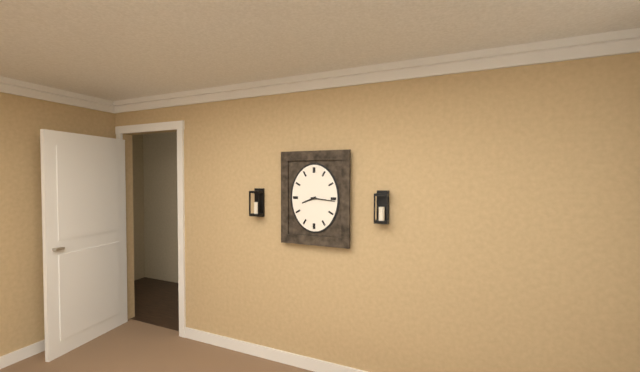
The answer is 8:16
